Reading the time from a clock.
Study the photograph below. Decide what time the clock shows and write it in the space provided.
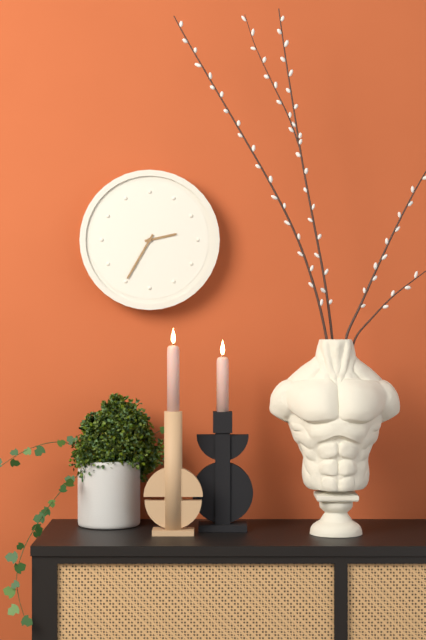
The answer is 2:35
